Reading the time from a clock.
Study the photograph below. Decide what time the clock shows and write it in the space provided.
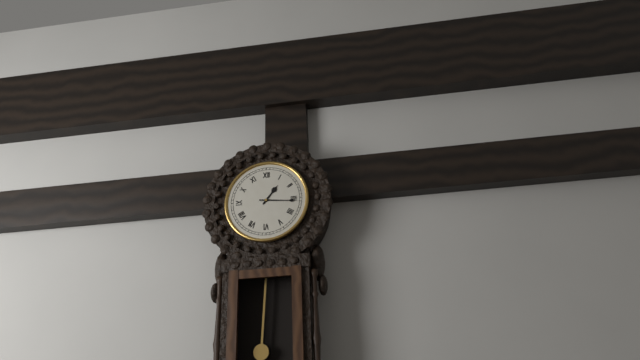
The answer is 1:16
